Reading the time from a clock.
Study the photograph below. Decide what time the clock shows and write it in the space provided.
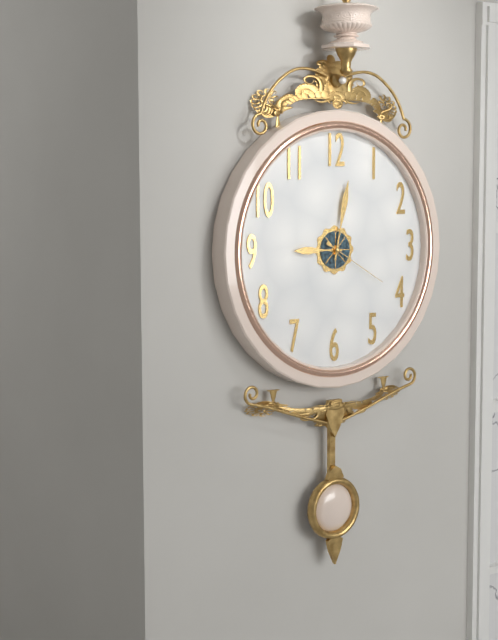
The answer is 9:02:20
